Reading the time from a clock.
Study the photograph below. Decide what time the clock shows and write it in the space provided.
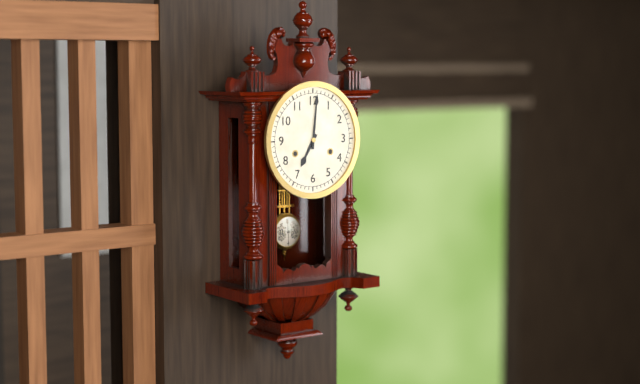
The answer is 7:01
